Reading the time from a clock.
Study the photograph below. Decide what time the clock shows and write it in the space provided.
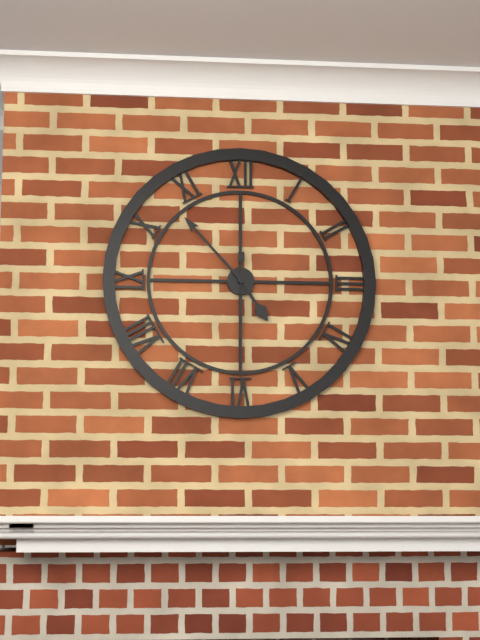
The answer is 4:53:30
